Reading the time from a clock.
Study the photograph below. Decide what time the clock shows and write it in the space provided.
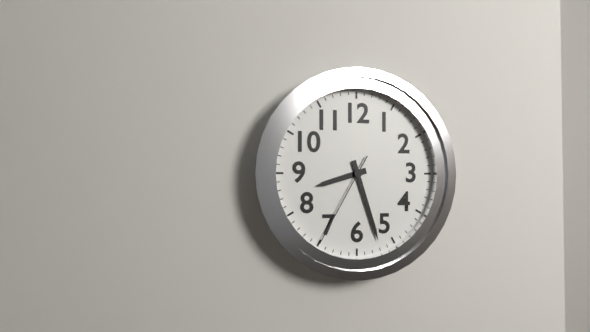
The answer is 8:27:35
